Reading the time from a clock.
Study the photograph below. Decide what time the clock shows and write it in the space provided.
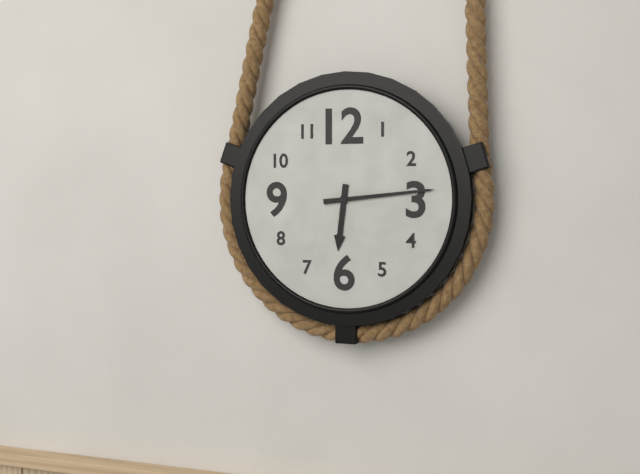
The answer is 6:14
